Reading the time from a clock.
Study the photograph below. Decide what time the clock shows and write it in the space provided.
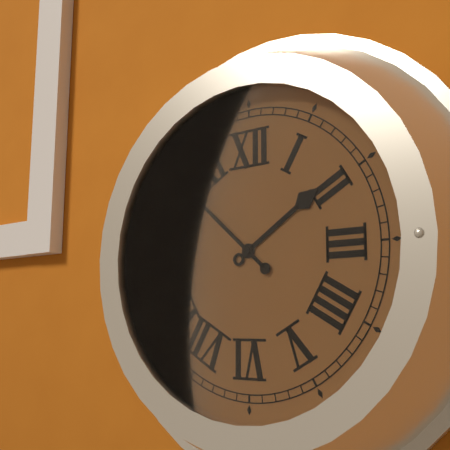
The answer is 1:52
